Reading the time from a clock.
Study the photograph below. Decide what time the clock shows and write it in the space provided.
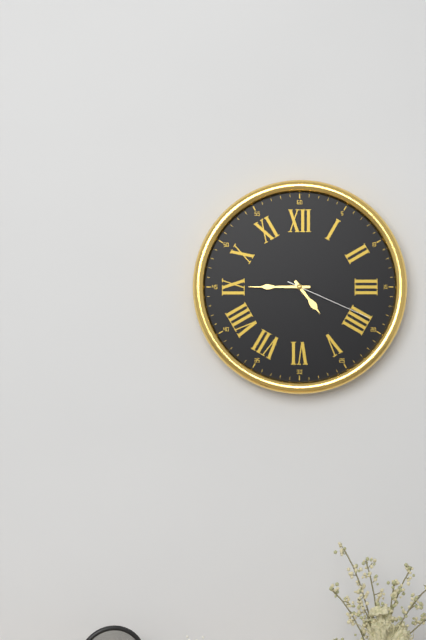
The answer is 4:45:19
